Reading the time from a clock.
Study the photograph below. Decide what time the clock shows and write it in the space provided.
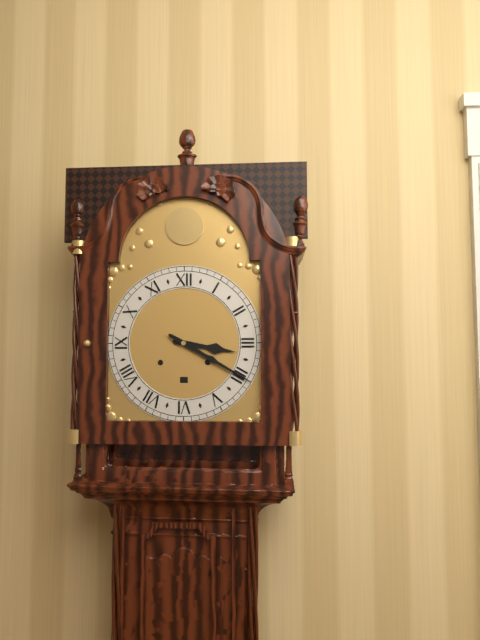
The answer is 3:20
